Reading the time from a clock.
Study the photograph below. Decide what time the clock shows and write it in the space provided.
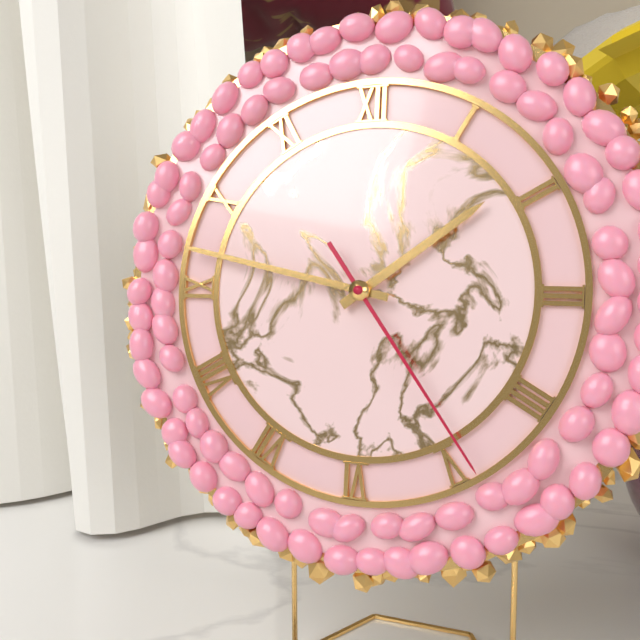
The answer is 1:47:24
